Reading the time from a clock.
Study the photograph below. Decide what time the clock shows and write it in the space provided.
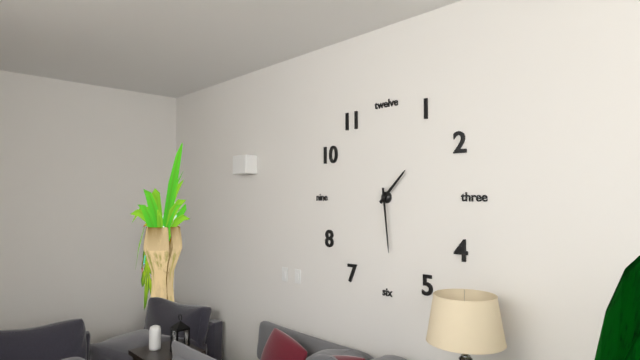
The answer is 1:29
